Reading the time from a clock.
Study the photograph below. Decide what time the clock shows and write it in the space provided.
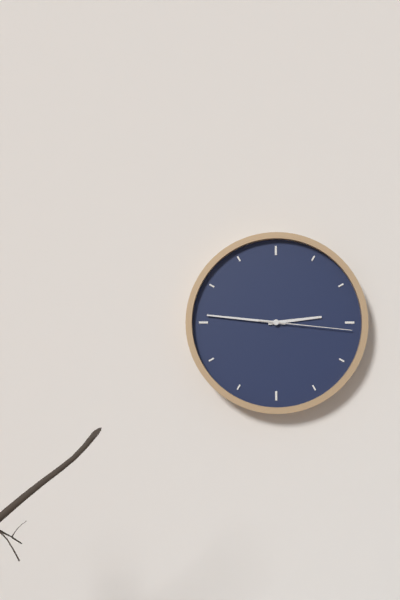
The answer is 2:46:16
